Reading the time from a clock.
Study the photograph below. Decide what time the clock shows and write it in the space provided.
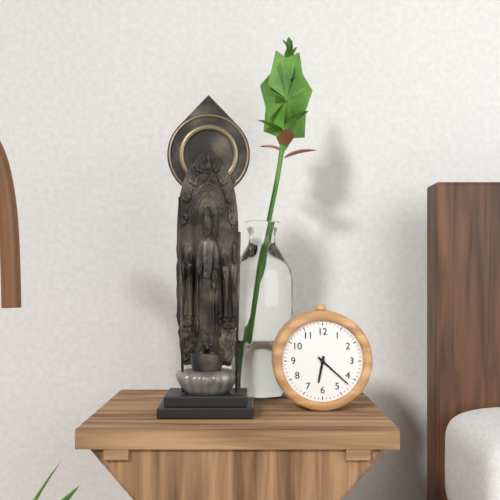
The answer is 6:22
